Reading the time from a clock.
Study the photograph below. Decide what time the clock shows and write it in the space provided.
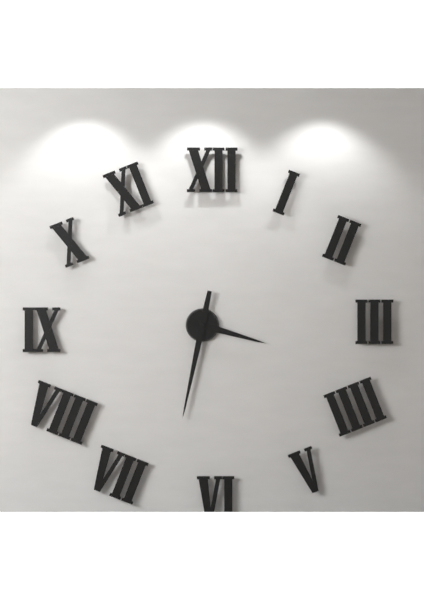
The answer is 3:32
